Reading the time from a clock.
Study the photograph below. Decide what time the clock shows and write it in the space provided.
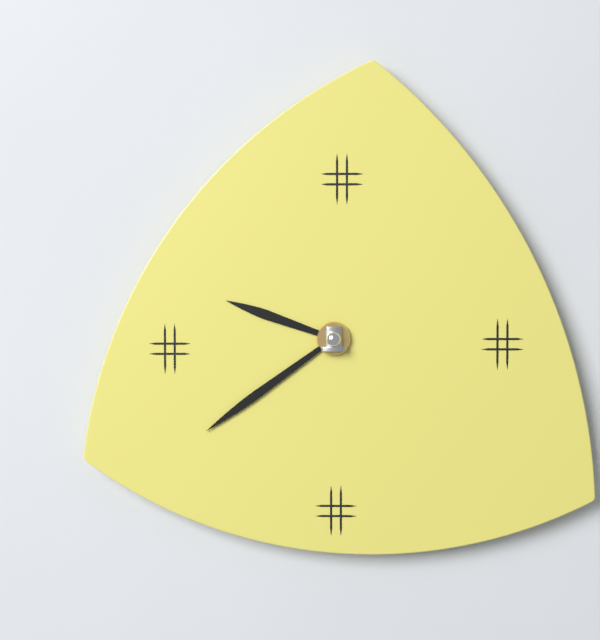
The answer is 9:39
